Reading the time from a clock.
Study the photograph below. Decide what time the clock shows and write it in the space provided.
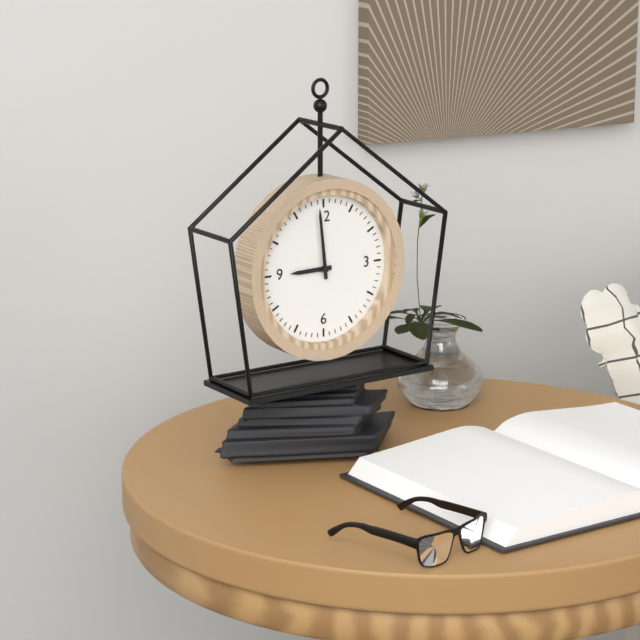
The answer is 8:59
